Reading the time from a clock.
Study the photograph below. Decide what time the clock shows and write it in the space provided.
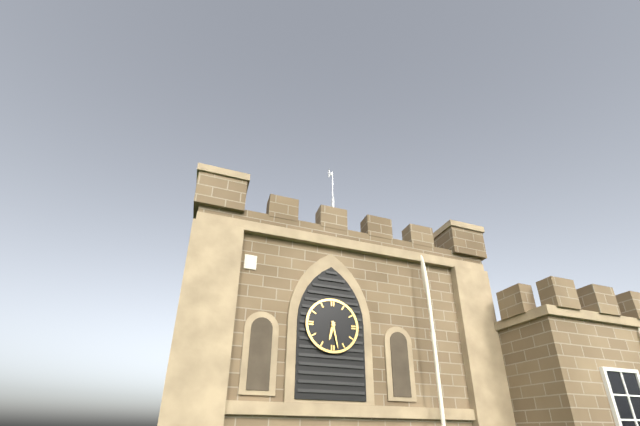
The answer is 6:28
